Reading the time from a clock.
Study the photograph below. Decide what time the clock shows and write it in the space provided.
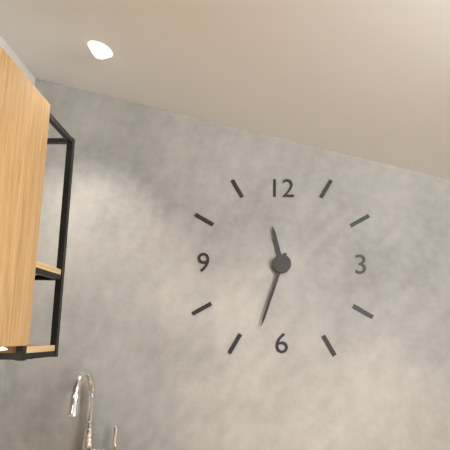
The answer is 11:33
